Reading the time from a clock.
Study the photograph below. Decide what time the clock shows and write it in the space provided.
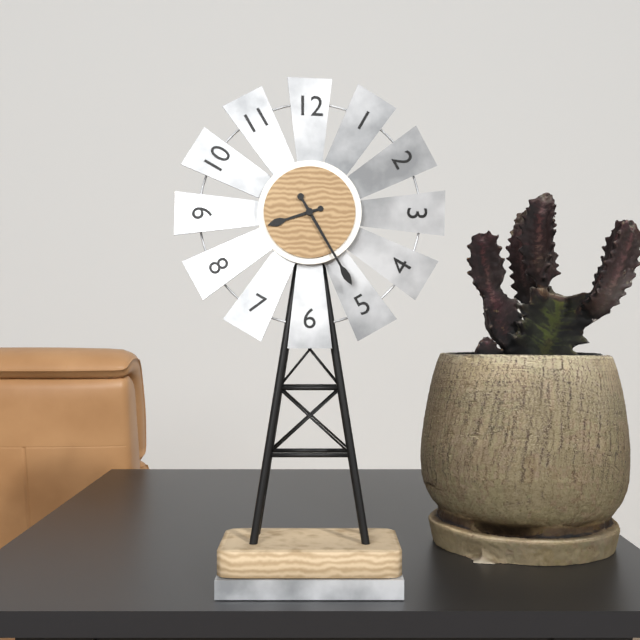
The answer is 8:25
